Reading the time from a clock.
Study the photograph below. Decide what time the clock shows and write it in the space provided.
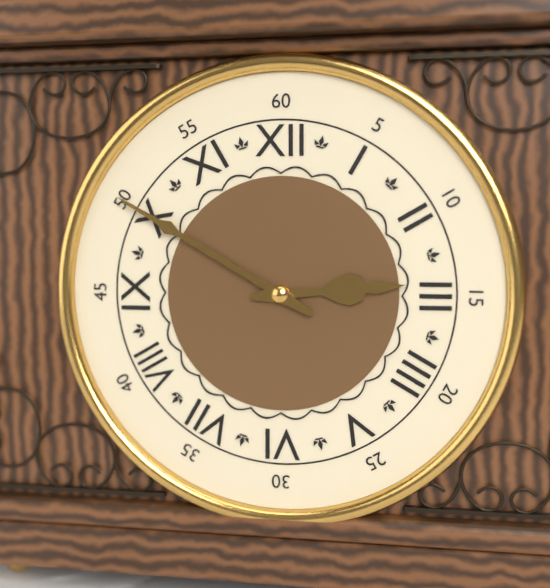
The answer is 2:50
